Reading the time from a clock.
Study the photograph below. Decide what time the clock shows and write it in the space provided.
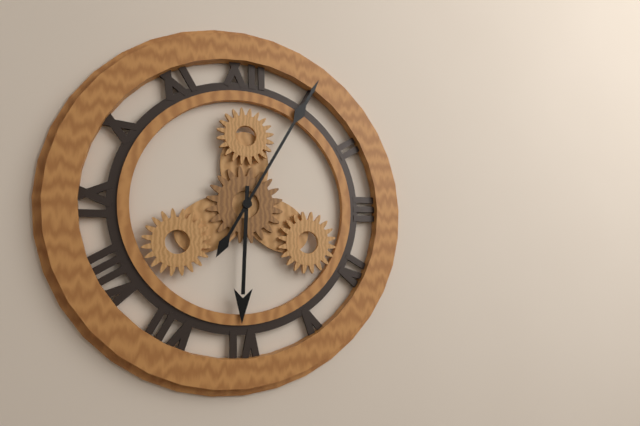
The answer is 6:05
